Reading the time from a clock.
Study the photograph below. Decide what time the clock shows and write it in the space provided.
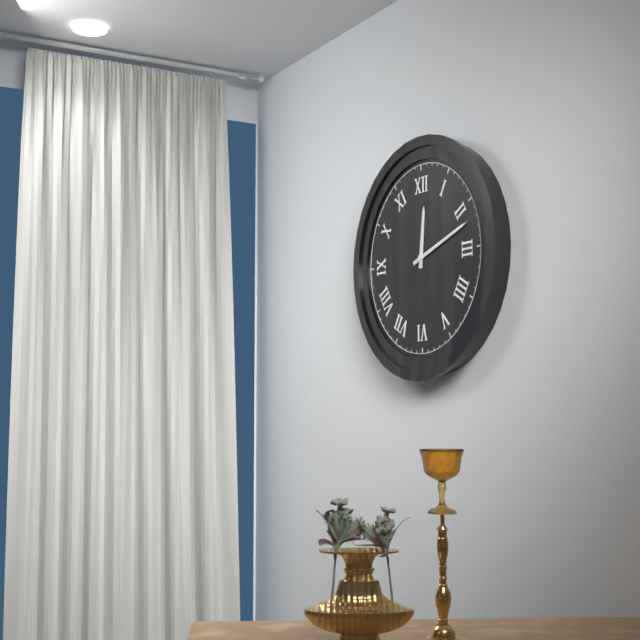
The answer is 12:12
